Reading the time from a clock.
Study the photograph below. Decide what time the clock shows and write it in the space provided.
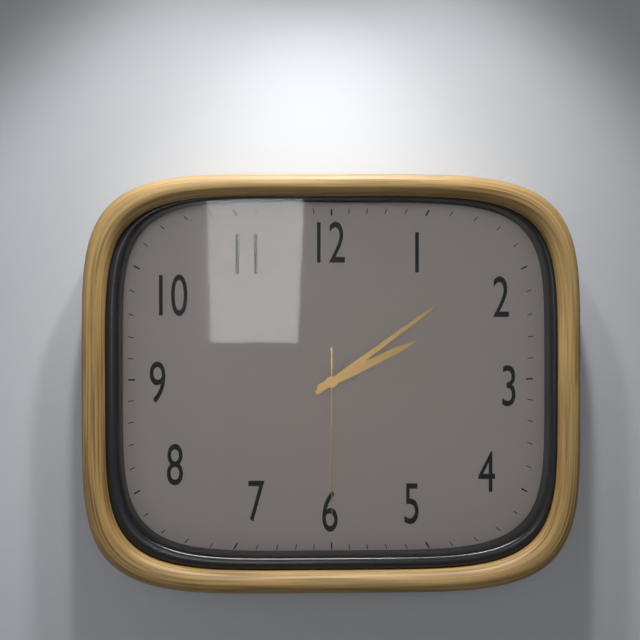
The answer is 2:09:30
